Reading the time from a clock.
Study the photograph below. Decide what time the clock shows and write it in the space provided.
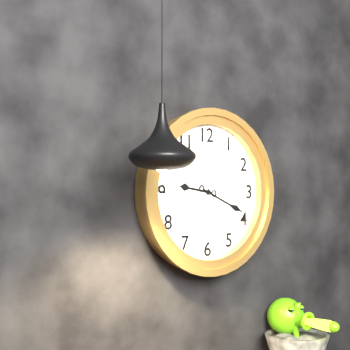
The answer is 9:19
